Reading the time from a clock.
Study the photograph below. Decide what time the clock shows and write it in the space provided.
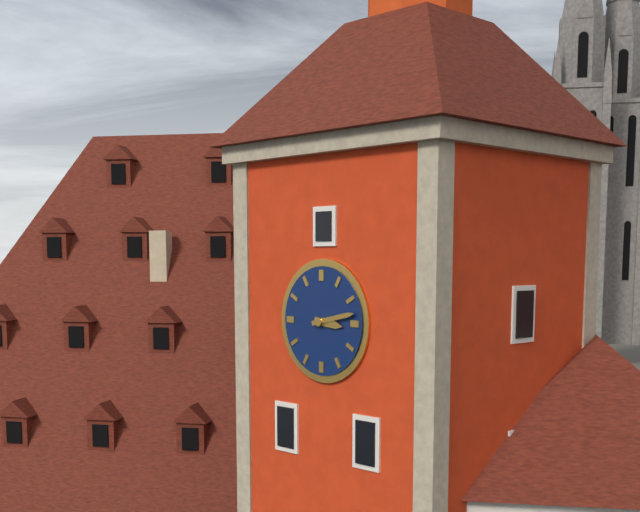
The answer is 3:13
